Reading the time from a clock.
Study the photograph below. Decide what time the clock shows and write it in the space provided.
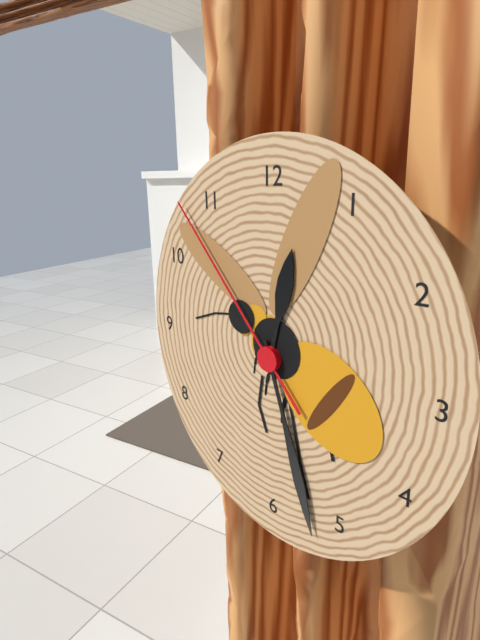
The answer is 12:27:53
